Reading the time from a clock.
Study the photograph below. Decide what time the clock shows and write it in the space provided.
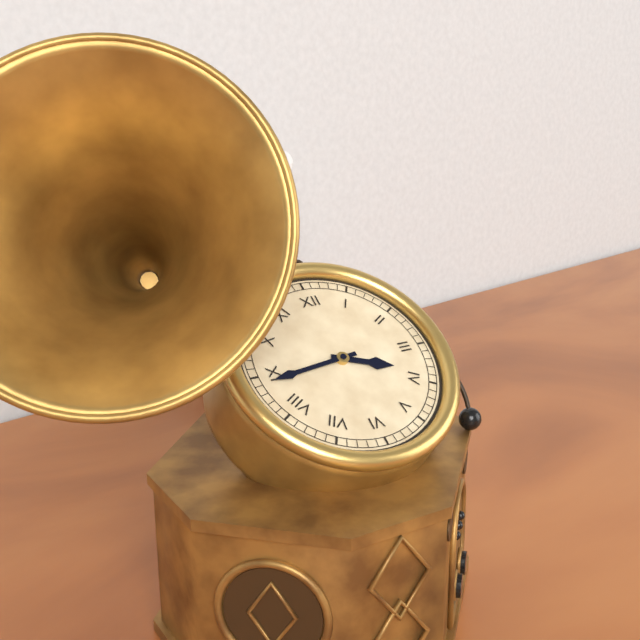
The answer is 3:44
